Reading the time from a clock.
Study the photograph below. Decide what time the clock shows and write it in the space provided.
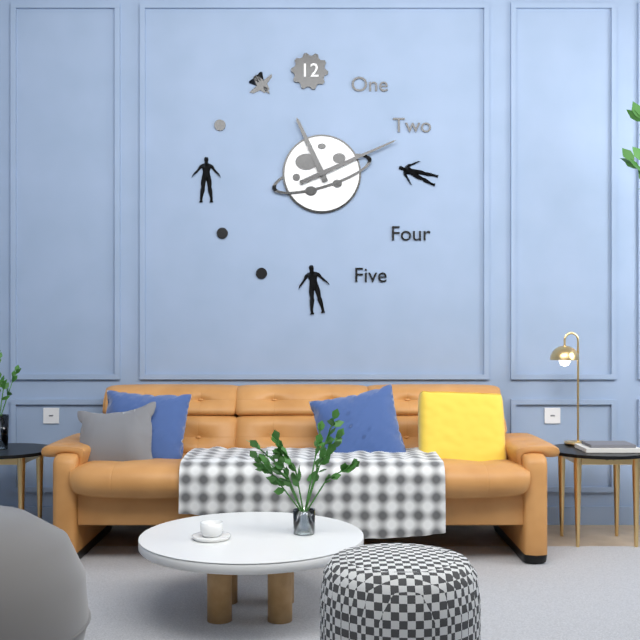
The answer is 11:11
